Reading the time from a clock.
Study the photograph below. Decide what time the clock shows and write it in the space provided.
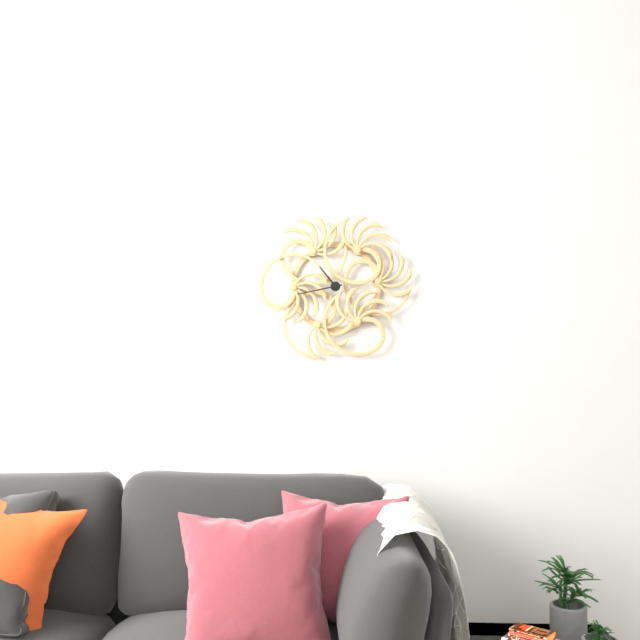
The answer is 10:43
